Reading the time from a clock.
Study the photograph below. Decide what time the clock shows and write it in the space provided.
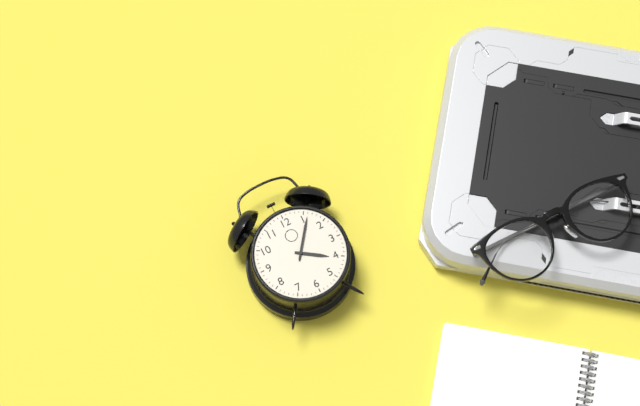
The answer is 4:06
